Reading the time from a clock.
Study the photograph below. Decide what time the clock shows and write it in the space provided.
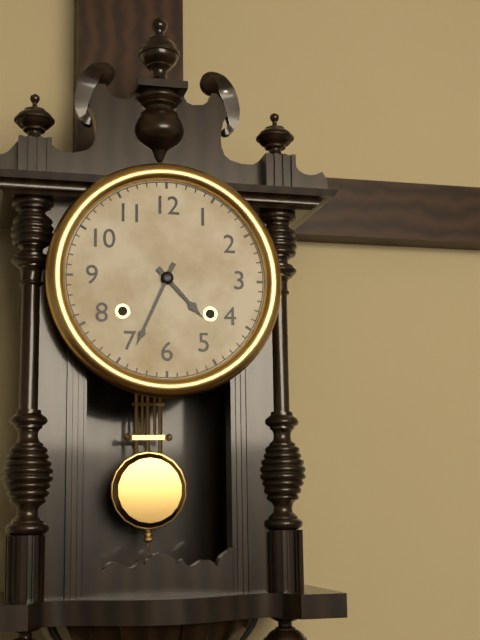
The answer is 4:34
